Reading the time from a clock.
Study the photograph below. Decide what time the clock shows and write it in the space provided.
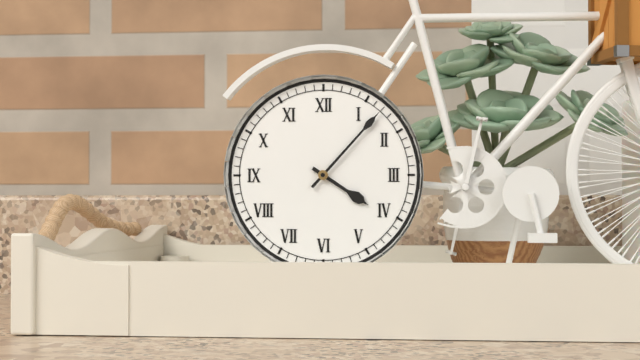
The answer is 4:07
